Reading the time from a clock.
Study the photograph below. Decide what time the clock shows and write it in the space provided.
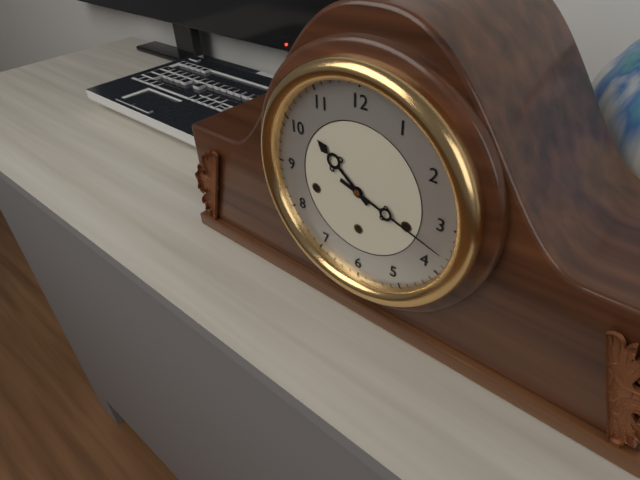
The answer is 10:18
